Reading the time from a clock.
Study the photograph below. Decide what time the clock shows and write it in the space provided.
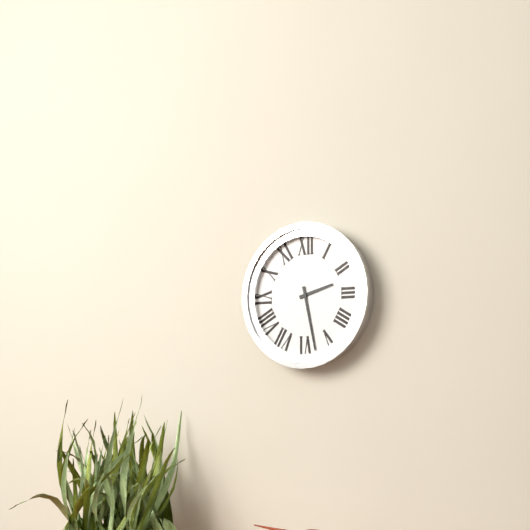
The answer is 2:28
